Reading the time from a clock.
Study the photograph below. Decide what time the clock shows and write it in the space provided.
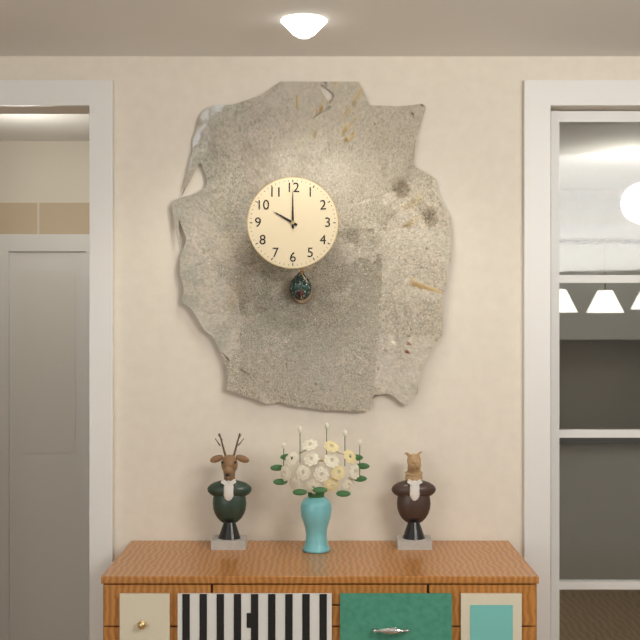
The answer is 10:00
